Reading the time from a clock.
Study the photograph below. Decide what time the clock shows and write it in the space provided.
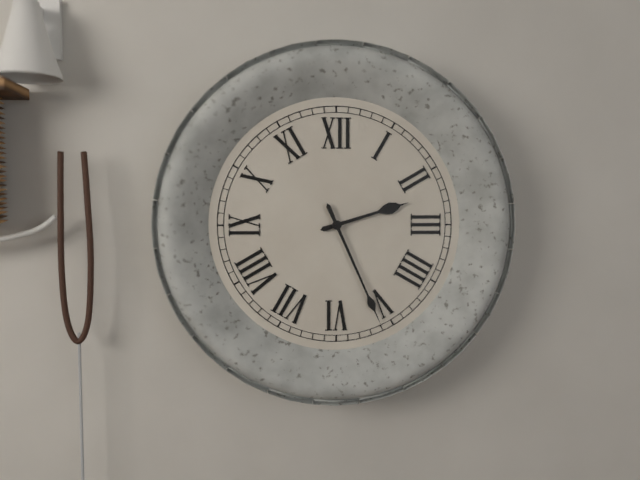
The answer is 2:26
